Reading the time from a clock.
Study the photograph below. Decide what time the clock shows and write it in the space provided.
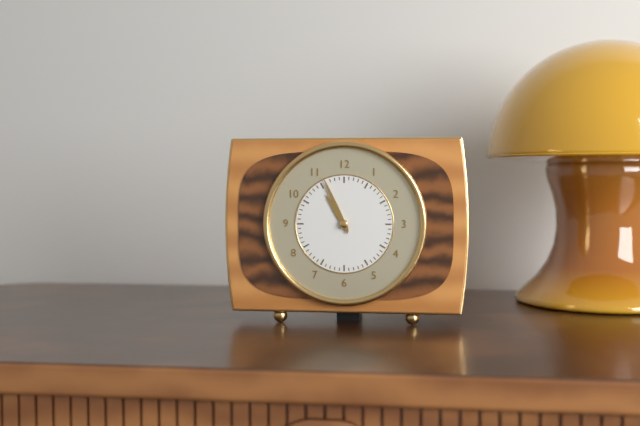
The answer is 10:56
